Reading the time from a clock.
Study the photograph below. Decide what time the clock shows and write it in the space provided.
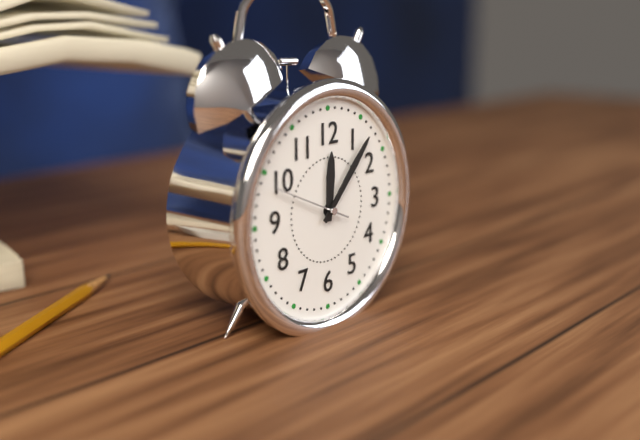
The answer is 12:07:49
